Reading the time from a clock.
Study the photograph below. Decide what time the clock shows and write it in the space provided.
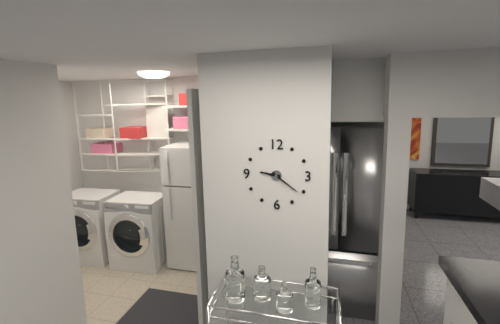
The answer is 9:21
